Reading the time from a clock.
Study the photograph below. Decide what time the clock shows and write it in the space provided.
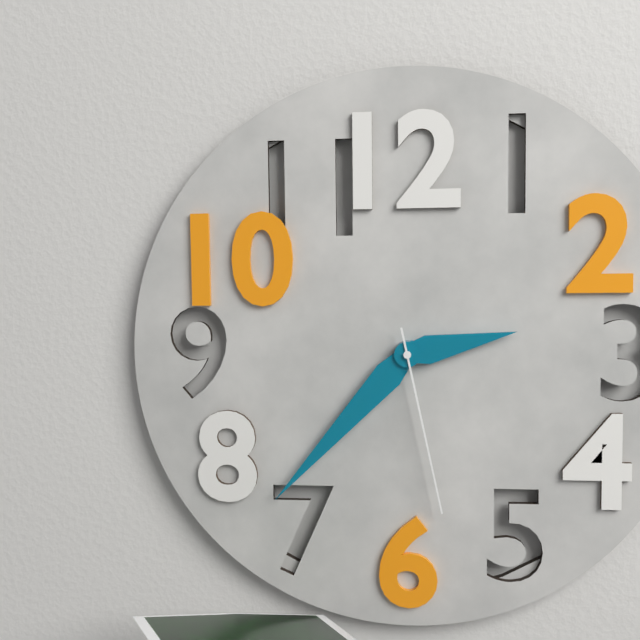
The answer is 2:37:28
